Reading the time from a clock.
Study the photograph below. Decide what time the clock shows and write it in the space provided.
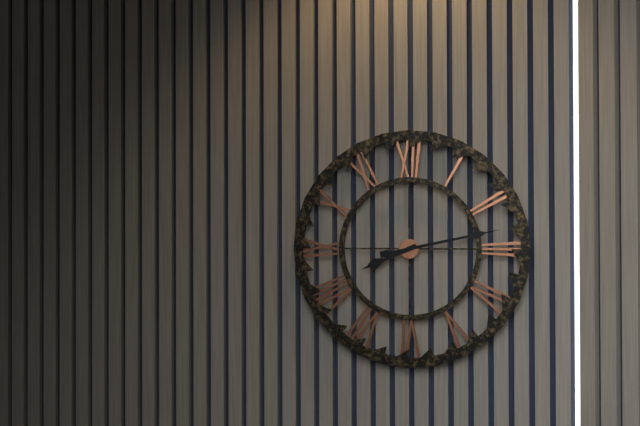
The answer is 8:13
